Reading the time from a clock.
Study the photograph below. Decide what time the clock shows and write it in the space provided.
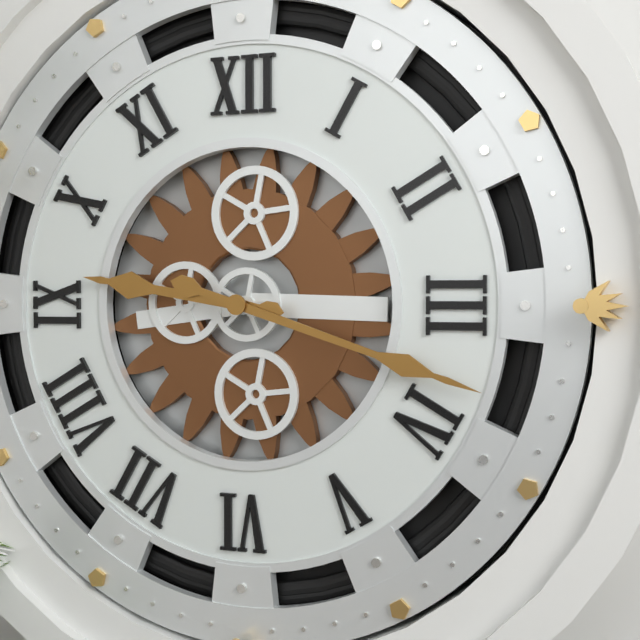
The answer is 9:18
